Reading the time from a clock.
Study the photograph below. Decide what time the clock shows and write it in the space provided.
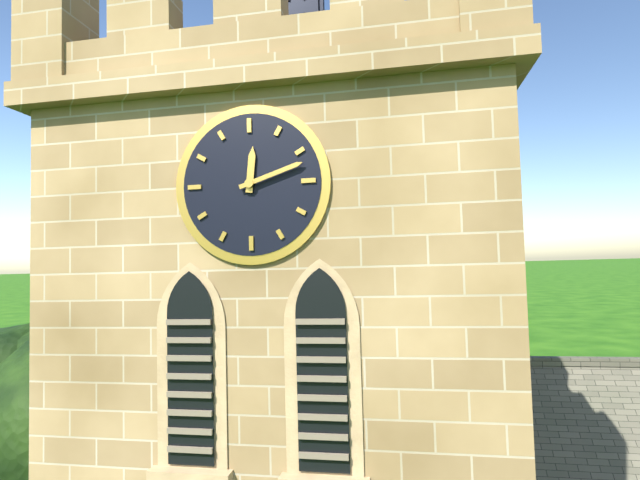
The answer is 12:12
